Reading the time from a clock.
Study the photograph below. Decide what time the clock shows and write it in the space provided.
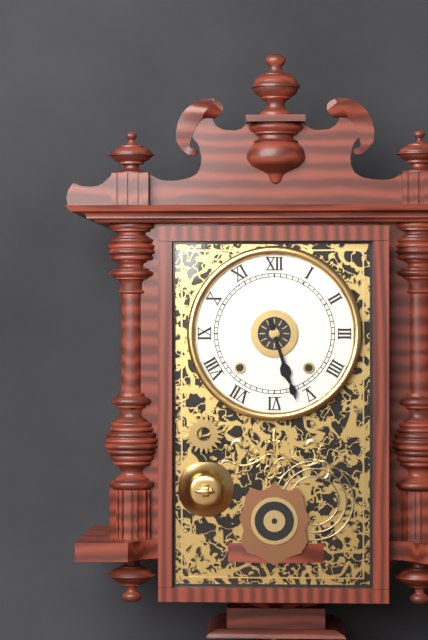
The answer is 5:27
